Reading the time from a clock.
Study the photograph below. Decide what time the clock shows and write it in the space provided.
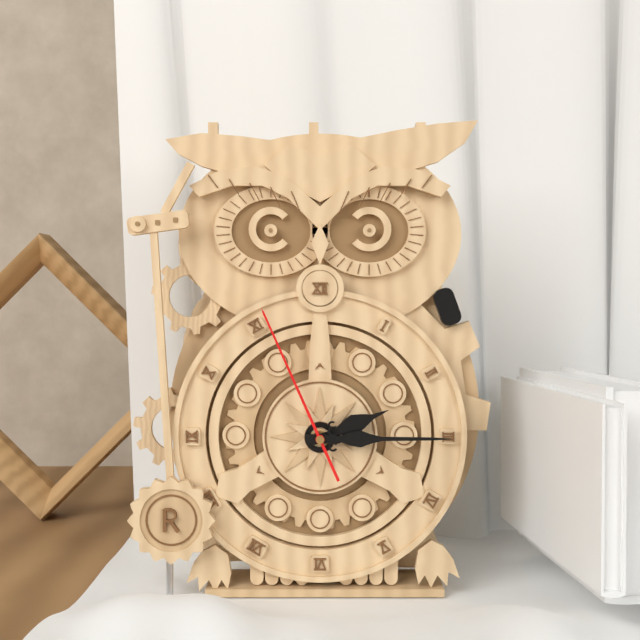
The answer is 2:15:56
